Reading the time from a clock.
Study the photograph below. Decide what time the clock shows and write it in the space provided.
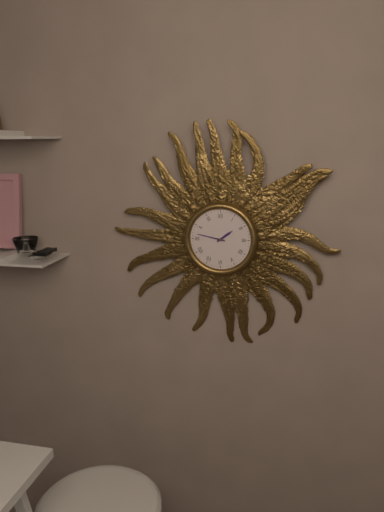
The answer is 1:47
